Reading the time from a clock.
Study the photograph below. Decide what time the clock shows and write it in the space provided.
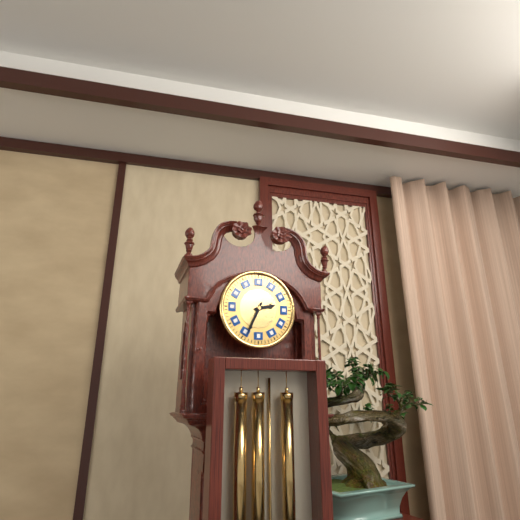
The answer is 2:34
